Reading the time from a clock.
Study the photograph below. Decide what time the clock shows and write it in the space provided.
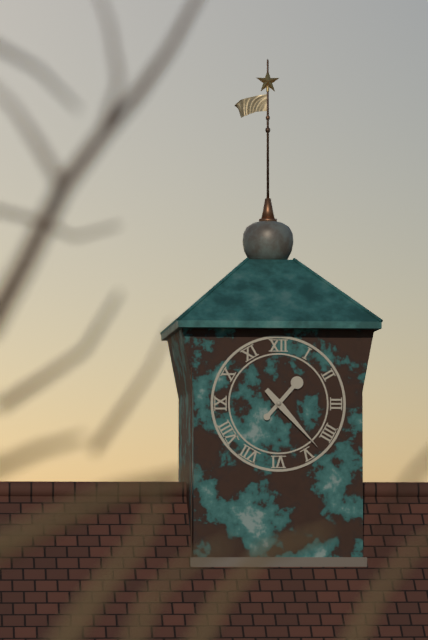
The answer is 1:23
